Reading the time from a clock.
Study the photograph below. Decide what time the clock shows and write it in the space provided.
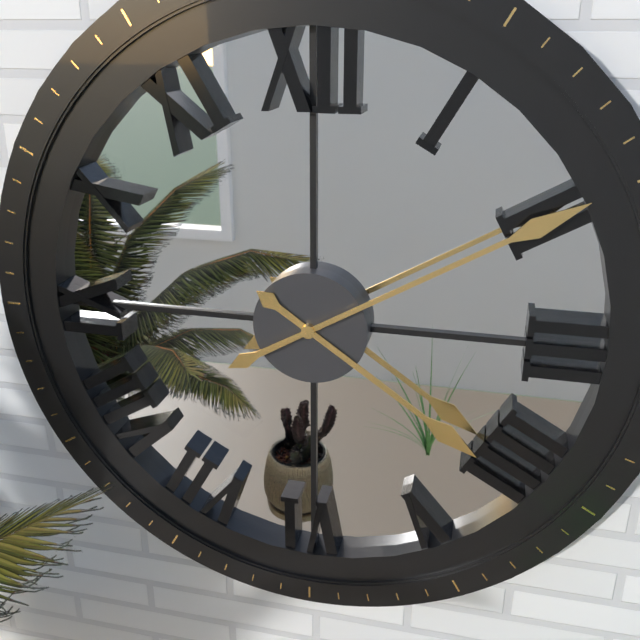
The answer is 4:10
